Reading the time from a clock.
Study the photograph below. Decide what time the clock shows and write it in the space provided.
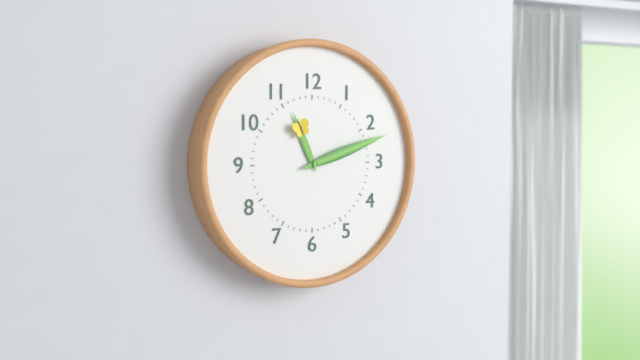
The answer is 11:12
